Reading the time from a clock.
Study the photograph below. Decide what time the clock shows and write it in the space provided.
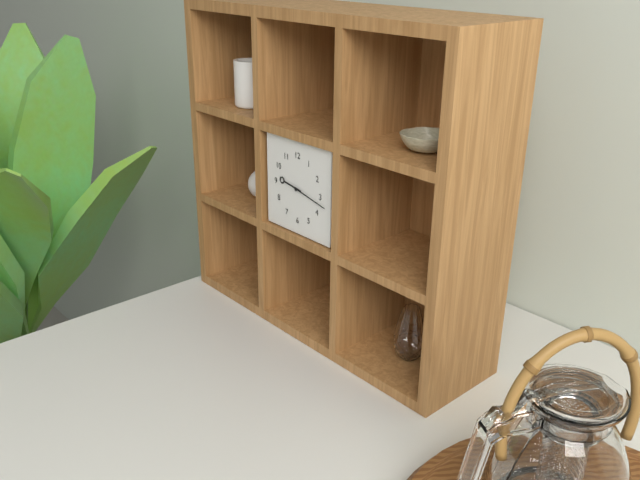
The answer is 9:17
